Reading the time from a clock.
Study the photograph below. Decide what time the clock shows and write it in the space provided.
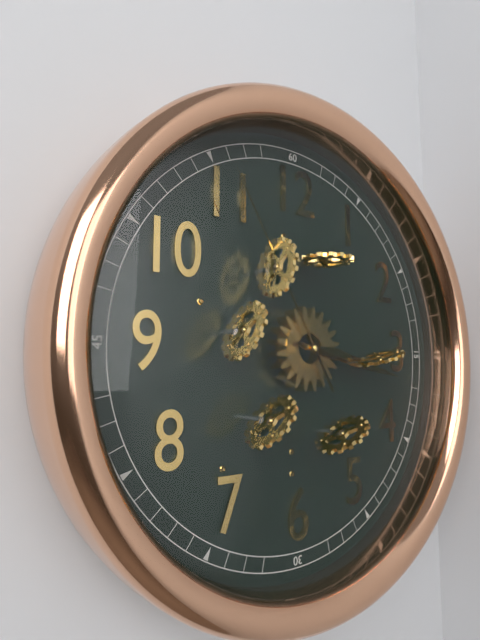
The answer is 3:17:55
